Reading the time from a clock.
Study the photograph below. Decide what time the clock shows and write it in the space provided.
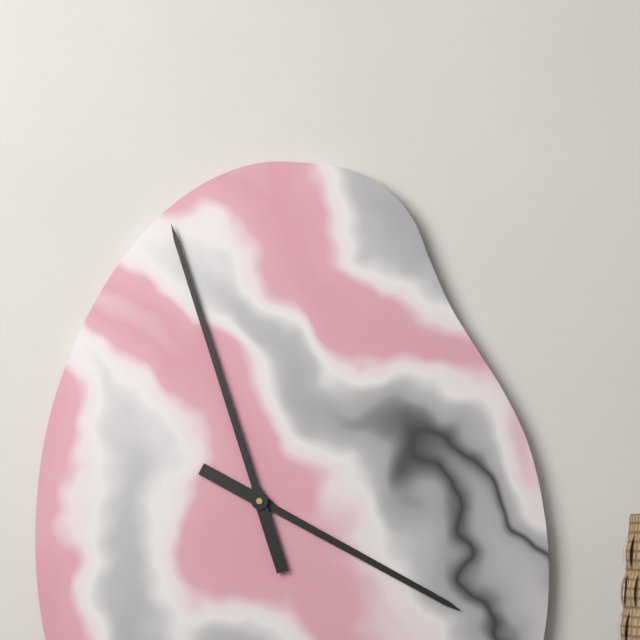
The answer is 3:57
